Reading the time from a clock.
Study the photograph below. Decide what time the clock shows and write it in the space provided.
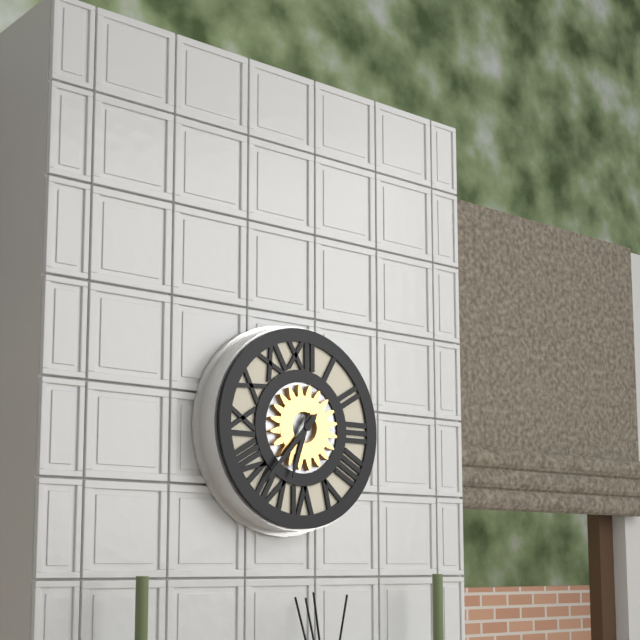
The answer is 6:37
